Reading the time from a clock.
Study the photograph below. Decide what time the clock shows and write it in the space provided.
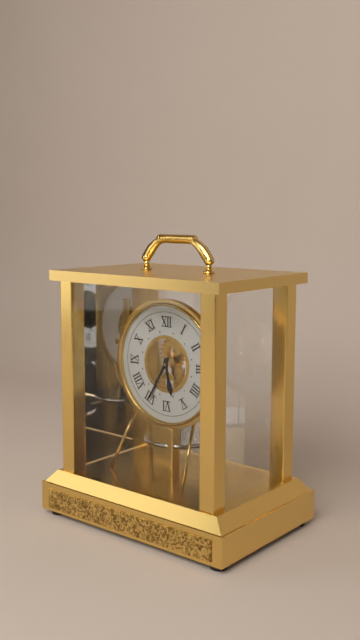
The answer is 5:35
